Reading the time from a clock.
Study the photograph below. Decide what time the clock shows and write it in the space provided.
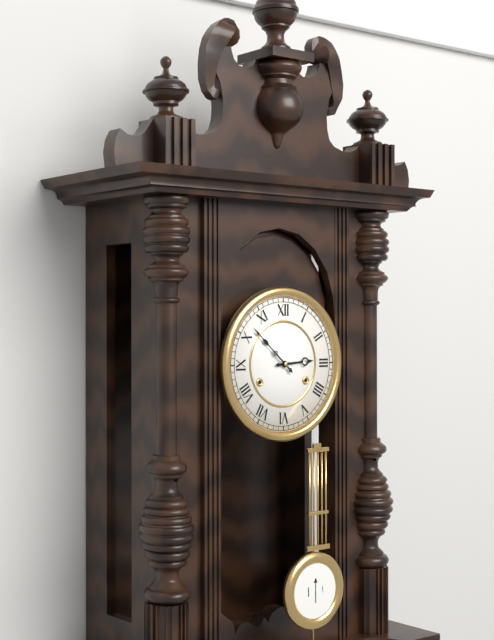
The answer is 2:52
